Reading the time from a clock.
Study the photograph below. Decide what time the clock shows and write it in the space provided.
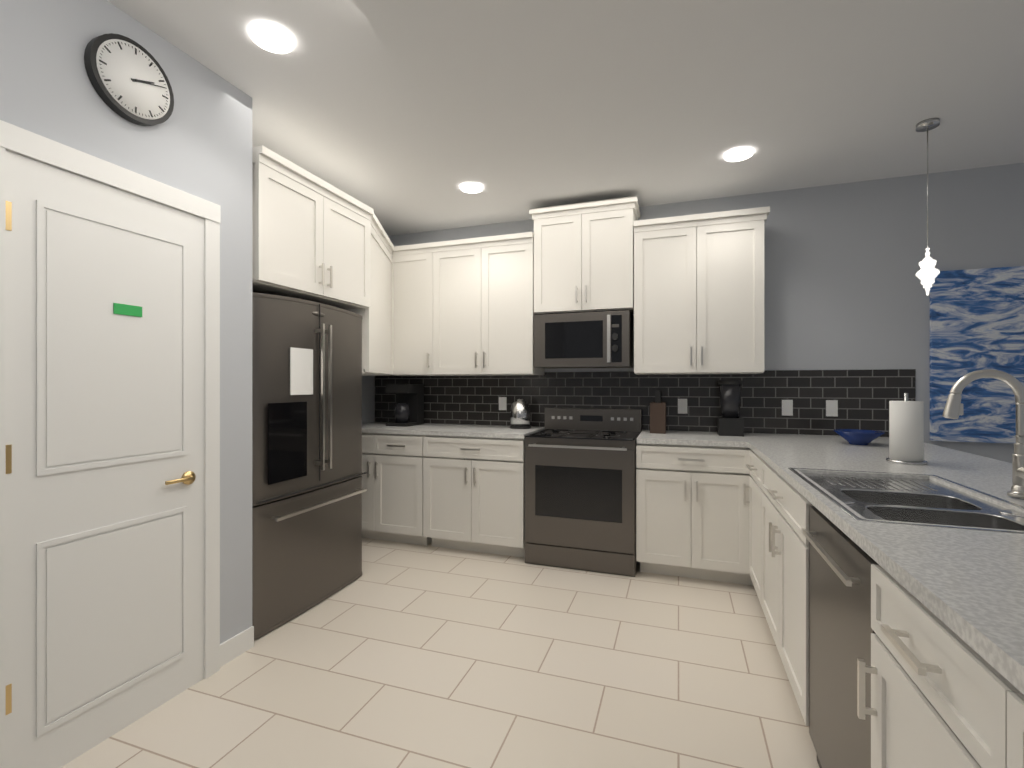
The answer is 2:12
